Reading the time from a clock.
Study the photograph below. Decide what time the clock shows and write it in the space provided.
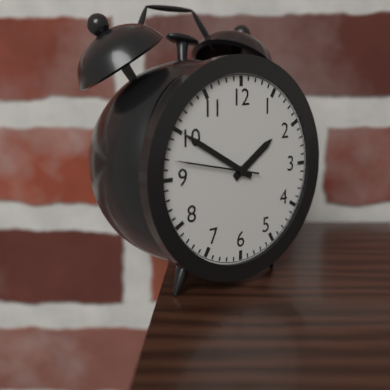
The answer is 1:50:47
